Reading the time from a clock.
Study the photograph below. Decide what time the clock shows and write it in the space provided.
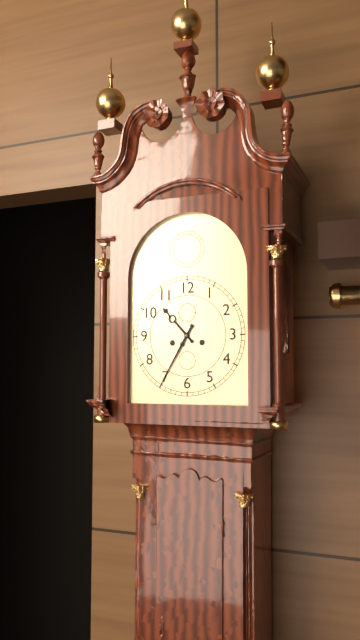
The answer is 10:35
